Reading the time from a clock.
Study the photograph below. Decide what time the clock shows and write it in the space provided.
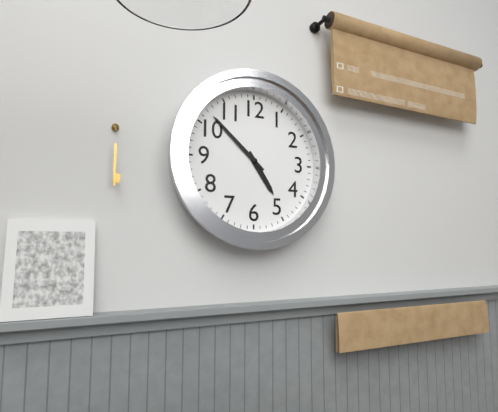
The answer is 4:52
